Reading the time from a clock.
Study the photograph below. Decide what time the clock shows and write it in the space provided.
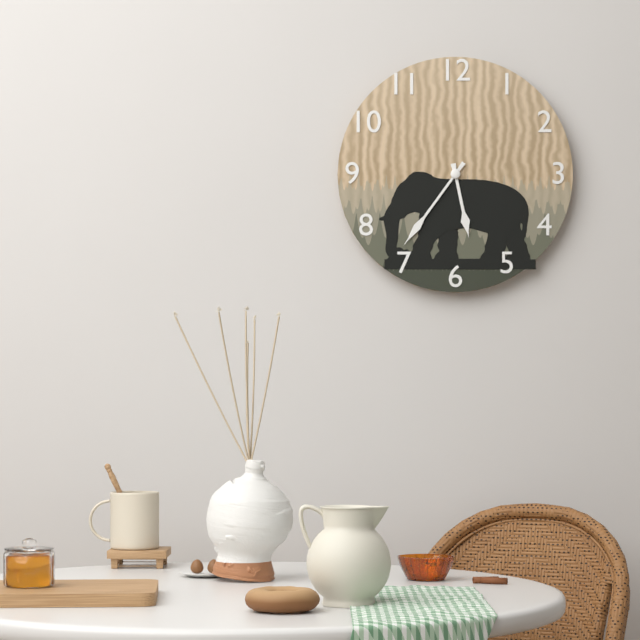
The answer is 5:36
